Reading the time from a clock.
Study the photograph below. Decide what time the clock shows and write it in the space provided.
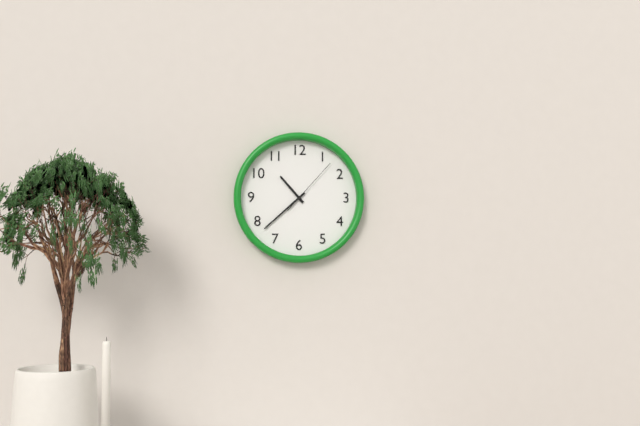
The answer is 10:38:07
